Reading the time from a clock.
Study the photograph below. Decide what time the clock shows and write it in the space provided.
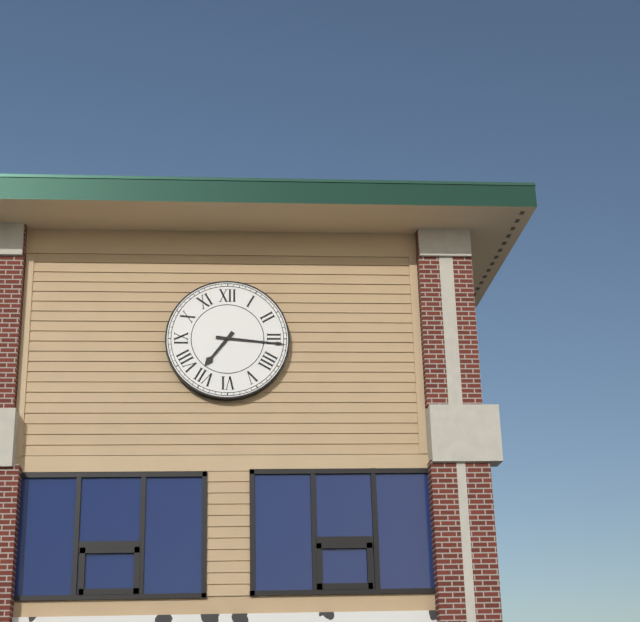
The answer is 7:16
